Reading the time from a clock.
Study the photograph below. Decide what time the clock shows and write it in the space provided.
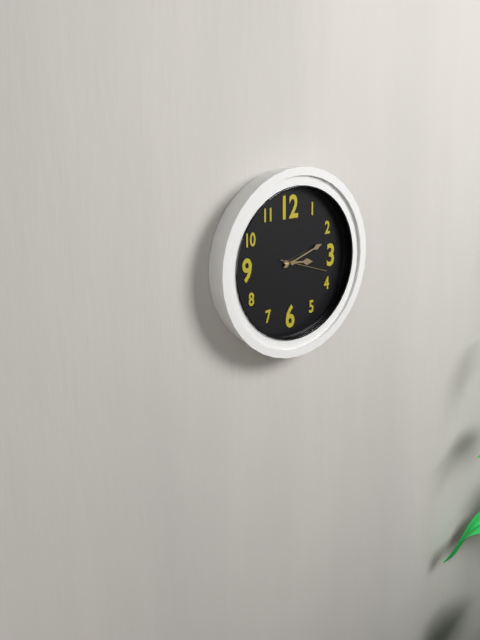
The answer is 3:12
